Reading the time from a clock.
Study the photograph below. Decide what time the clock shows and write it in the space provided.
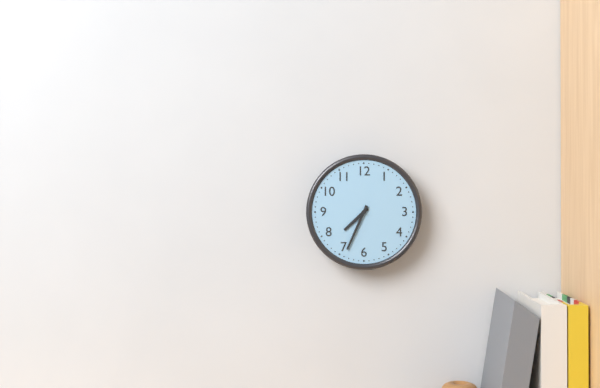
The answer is 7:34
